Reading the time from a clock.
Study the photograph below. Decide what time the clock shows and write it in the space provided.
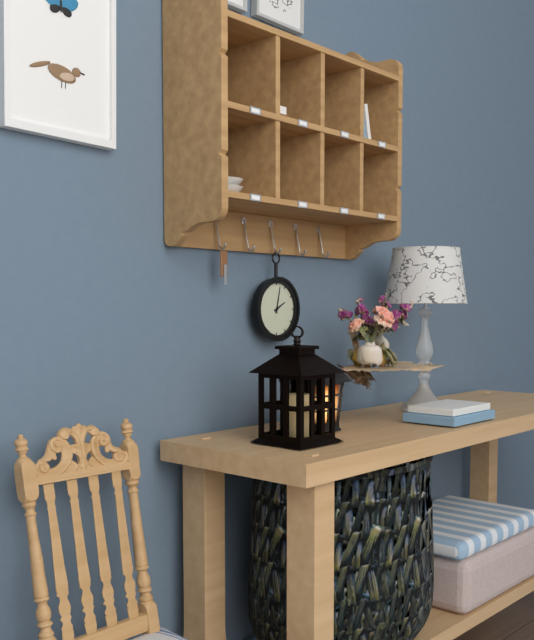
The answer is 2:02
